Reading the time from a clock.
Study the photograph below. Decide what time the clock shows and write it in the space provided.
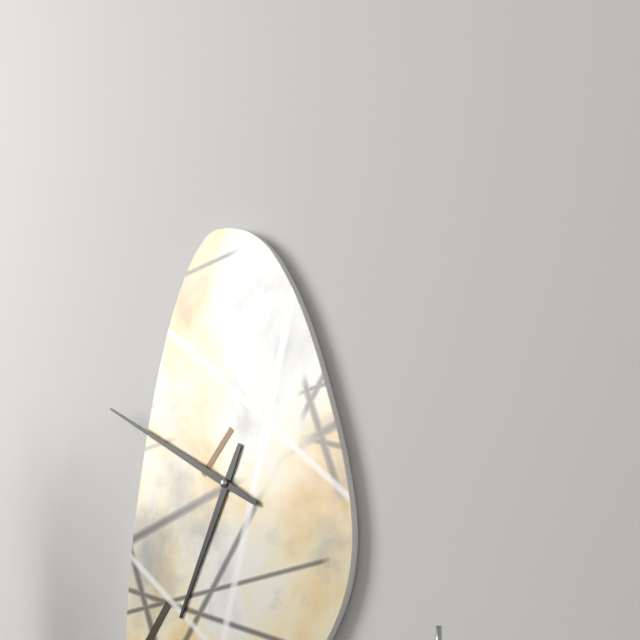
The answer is 6:50
